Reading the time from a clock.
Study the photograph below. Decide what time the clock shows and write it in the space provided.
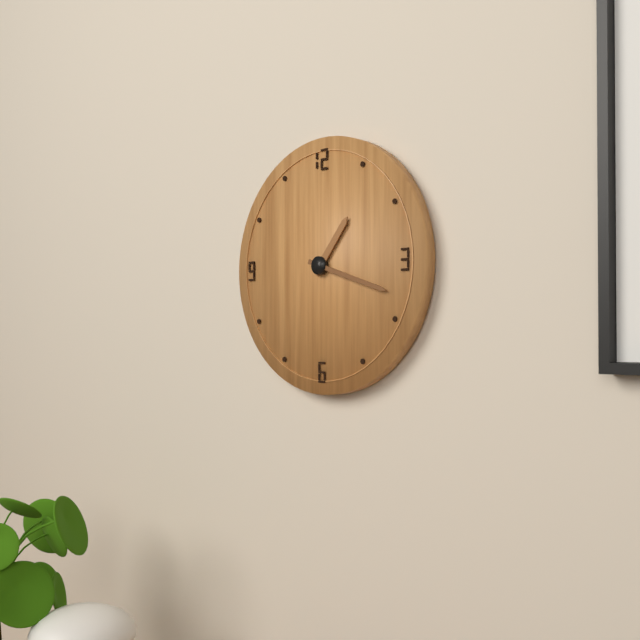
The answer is 1:18
